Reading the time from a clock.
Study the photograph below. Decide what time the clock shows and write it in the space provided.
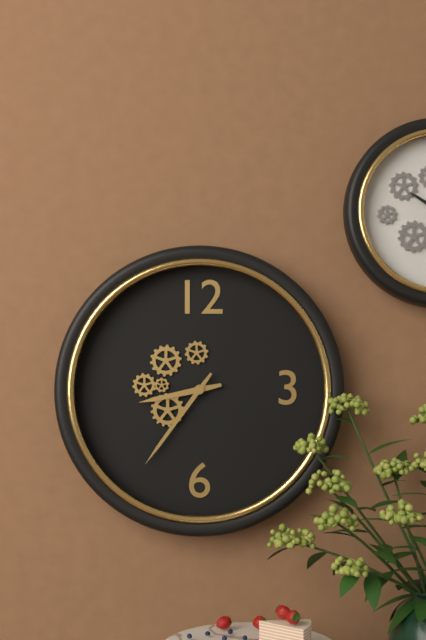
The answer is 8:36
